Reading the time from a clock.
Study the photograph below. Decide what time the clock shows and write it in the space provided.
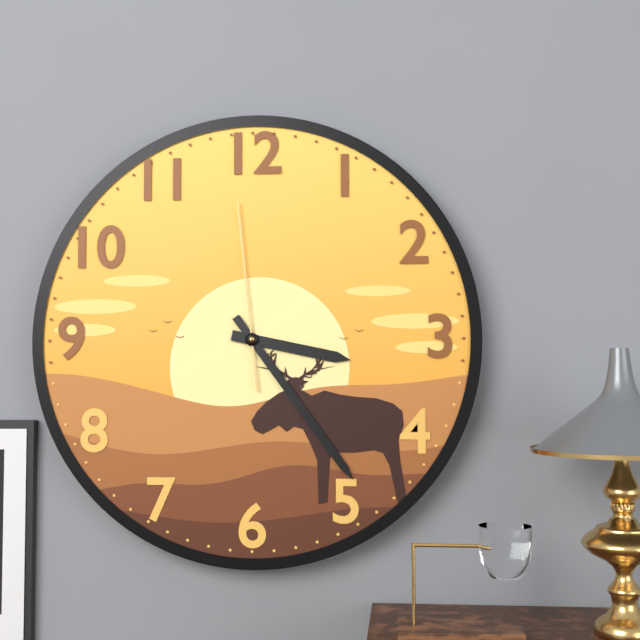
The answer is 3:24:59
